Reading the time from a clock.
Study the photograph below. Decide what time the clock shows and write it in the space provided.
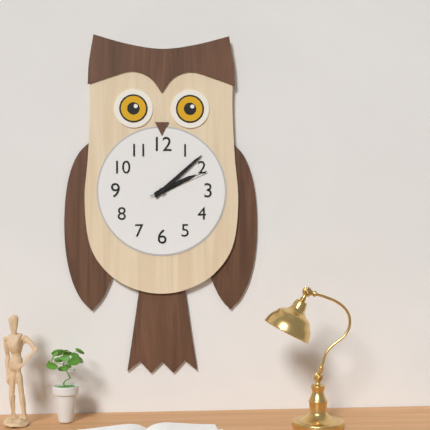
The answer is 2:08:11
